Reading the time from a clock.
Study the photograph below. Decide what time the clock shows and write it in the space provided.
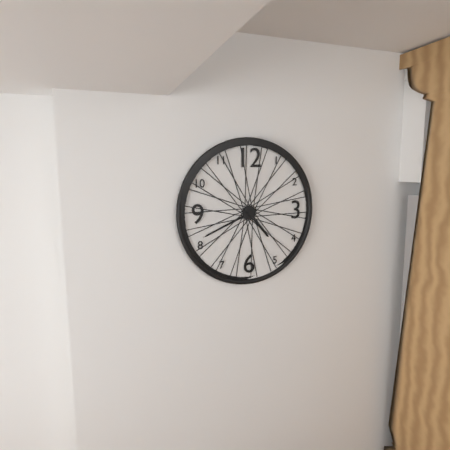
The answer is 4:41
